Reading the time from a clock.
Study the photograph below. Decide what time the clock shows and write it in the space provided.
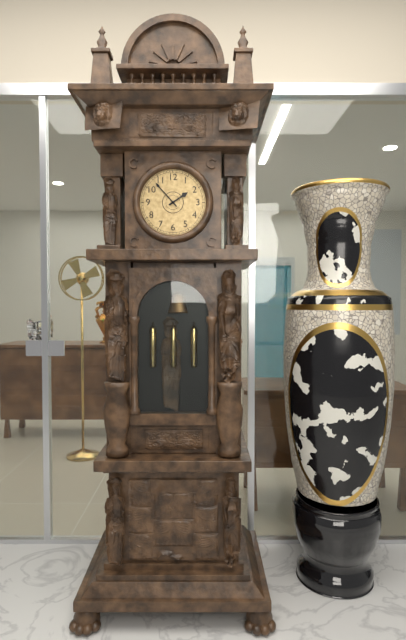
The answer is 1:53
